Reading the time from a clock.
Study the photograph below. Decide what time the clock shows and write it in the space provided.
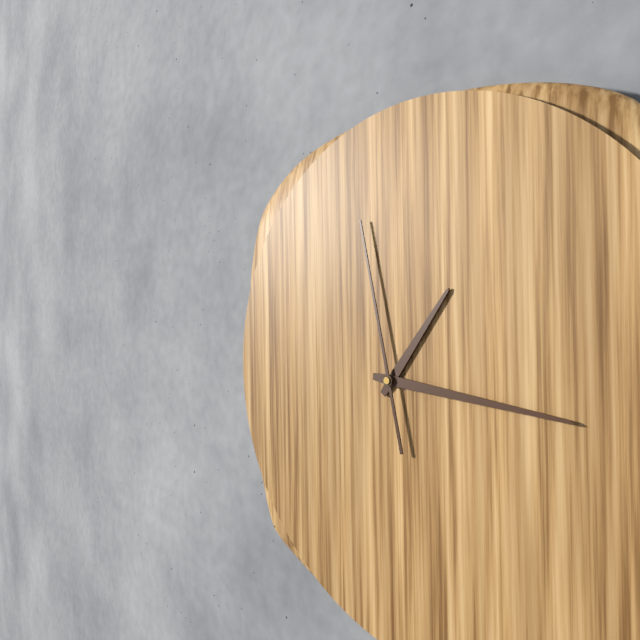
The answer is 1:16:58
